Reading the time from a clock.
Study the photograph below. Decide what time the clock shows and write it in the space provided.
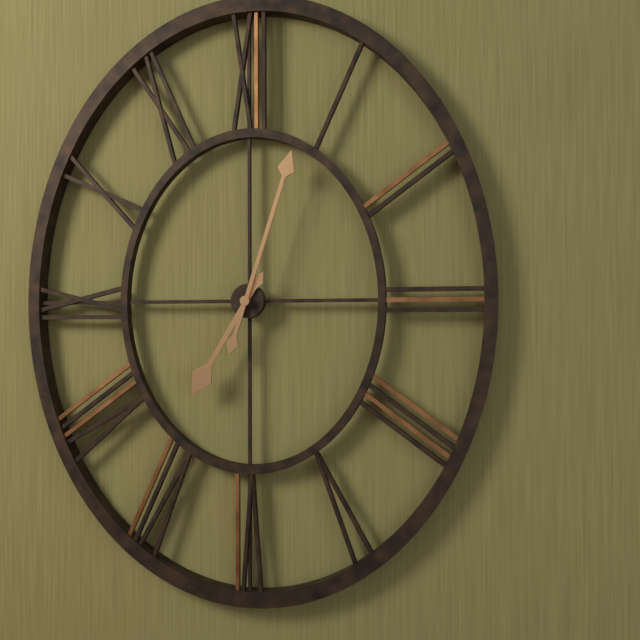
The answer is 7:03
